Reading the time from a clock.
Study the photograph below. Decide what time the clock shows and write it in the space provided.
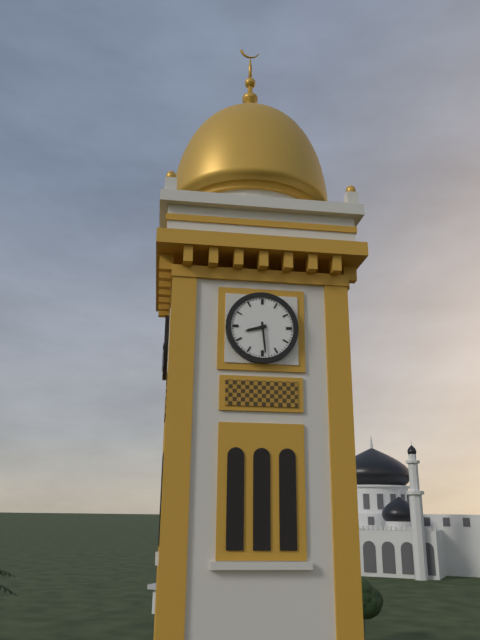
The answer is 8:29
